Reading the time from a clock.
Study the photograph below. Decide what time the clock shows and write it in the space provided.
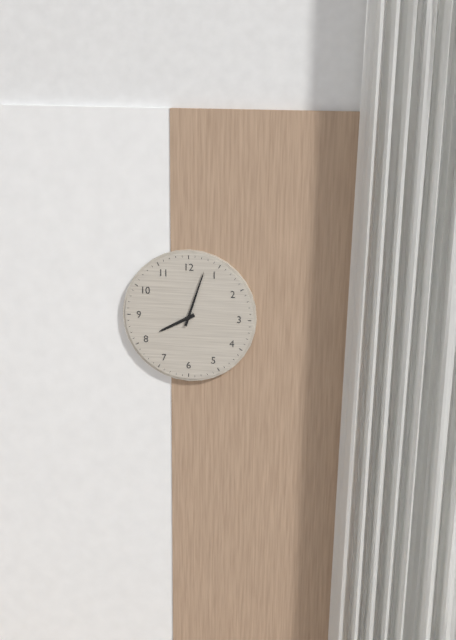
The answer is 8:03
